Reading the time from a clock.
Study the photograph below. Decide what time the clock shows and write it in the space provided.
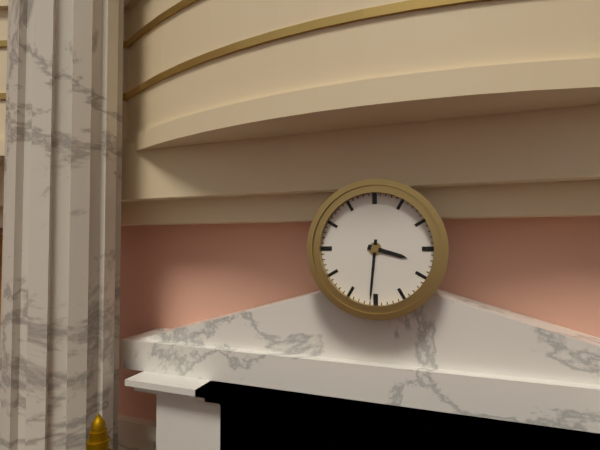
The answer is 3:31
